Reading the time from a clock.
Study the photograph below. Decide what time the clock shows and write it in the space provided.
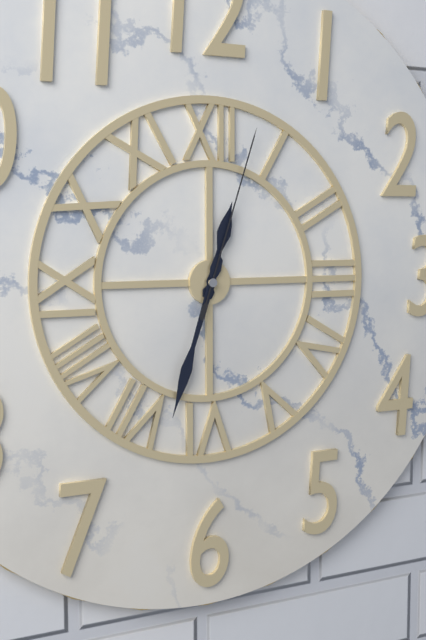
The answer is 12:33:03
